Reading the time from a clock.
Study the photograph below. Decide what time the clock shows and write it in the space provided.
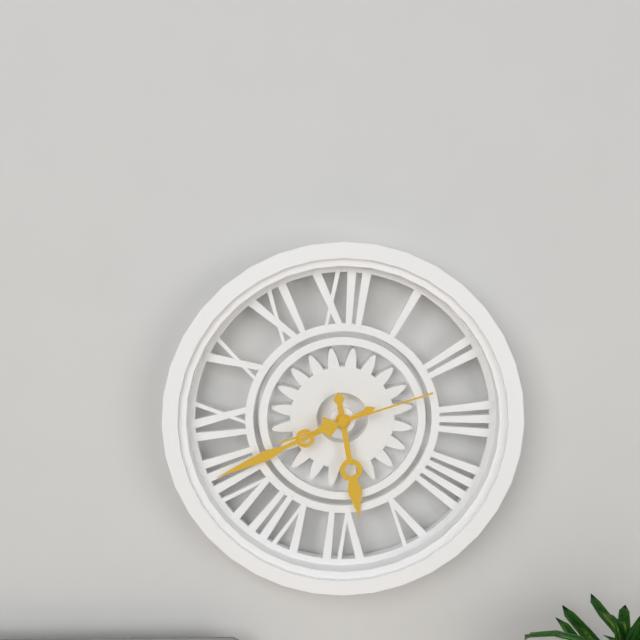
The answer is 5:41:12
